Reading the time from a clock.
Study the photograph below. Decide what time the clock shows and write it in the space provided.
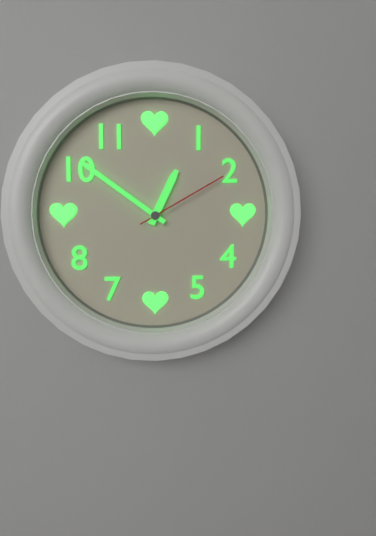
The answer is 12:51:10
